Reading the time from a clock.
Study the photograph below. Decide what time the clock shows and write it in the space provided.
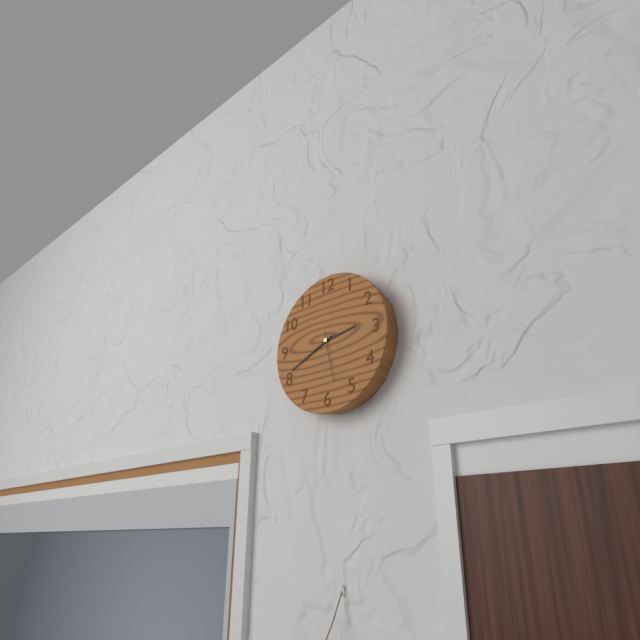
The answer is 2:41:28
